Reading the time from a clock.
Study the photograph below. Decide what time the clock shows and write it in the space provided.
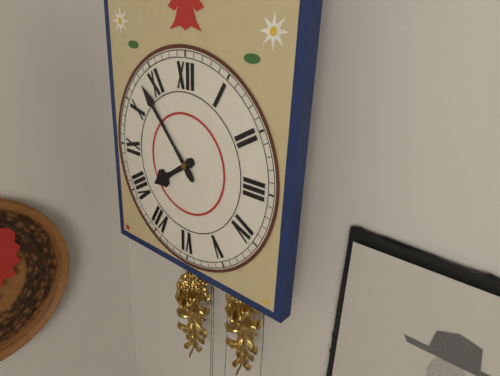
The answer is 7:53
